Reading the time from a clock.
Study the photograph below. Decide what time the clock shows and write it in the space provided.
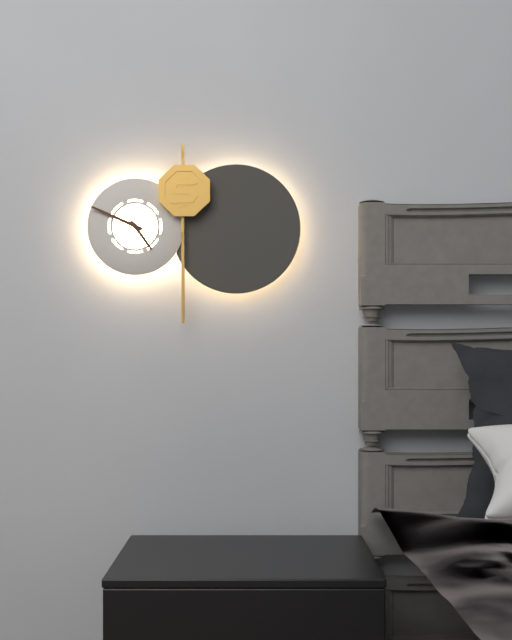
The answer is 4:49
